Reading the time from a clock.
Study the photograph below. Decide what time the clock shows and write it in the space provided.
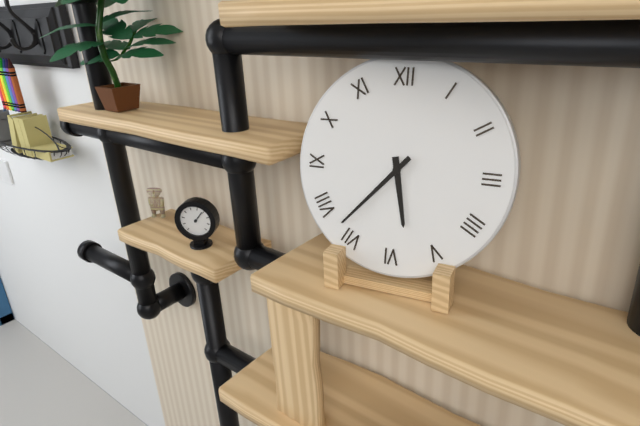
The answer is 5:37
